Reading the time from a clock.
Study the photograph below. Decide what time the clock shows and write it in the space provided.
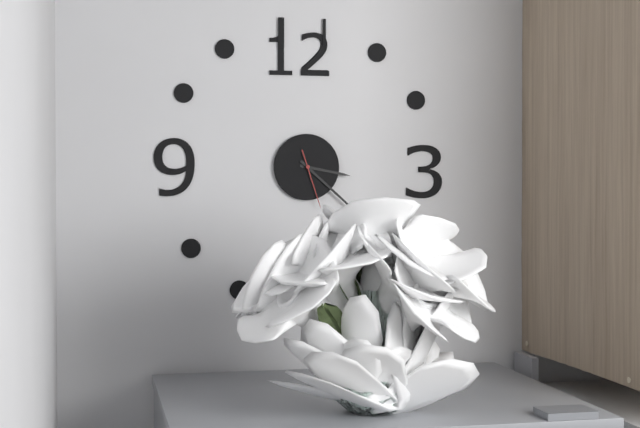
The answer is 3:22:27
